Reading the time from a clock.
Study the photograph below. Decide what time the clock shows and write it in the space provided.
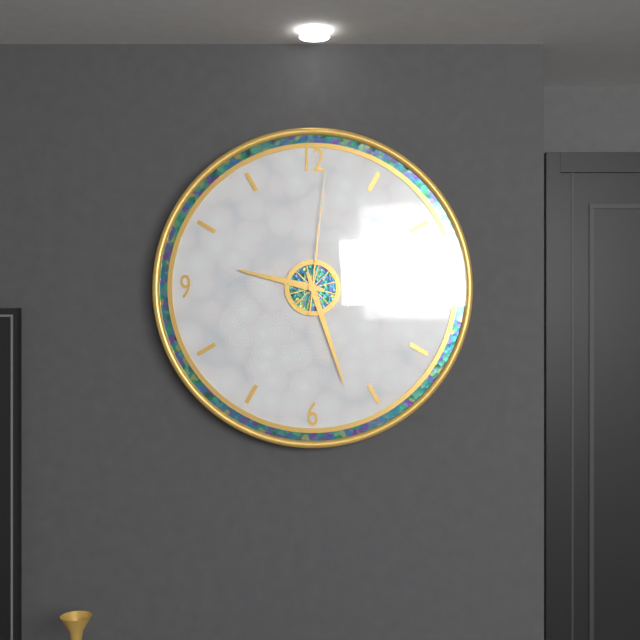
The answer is 9:27:01
